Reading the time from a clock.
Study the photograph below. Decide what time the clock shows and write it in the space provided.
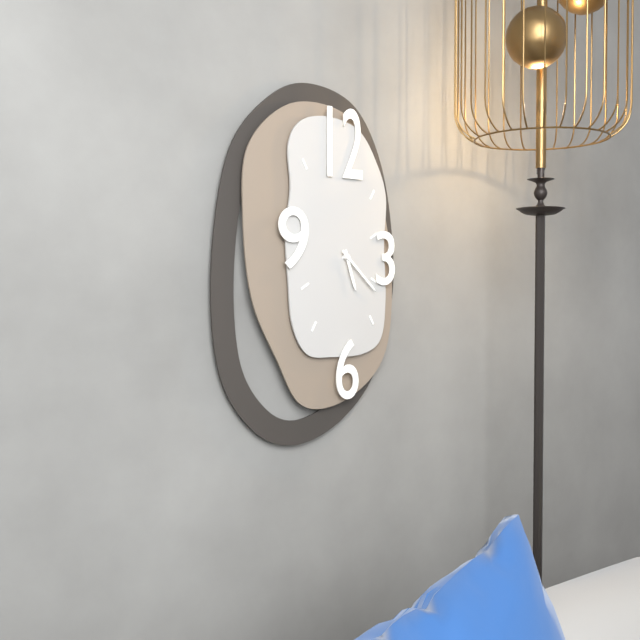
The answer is 5:22
